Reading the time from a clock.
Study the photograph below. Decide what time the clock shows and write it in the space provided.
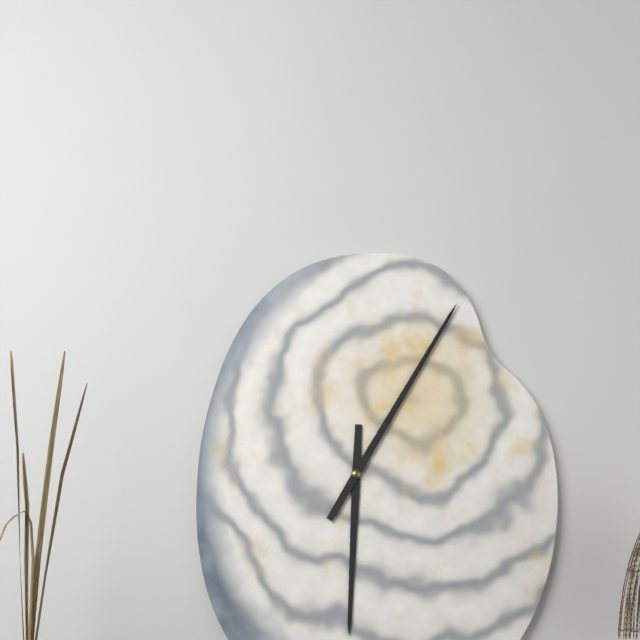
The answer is 6:05
